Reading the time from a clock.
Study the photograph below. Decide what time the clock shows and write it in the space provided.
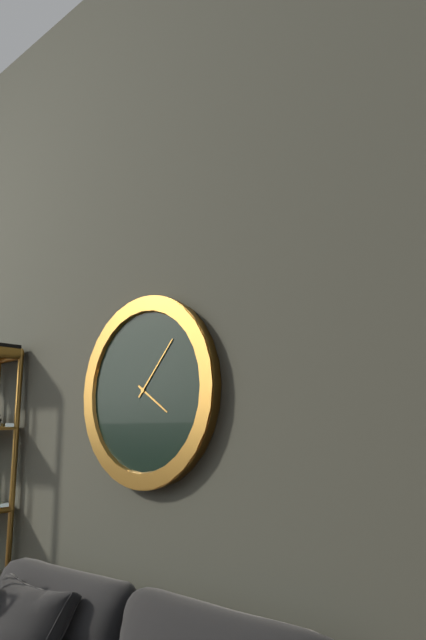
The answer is 4:07
